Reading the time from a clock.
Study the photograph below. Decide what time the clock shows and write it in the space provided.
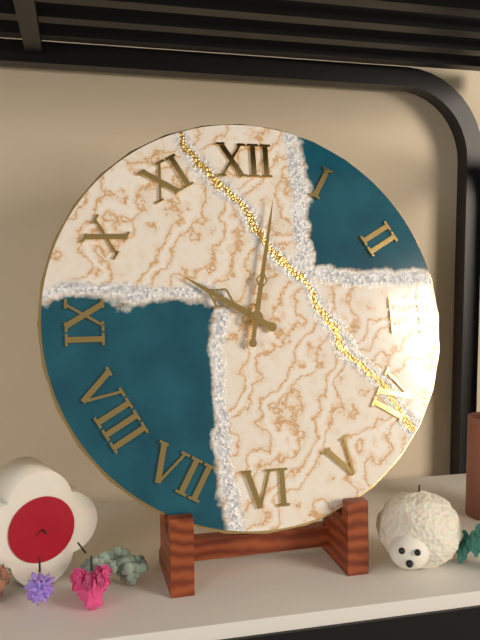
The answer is 10:02
